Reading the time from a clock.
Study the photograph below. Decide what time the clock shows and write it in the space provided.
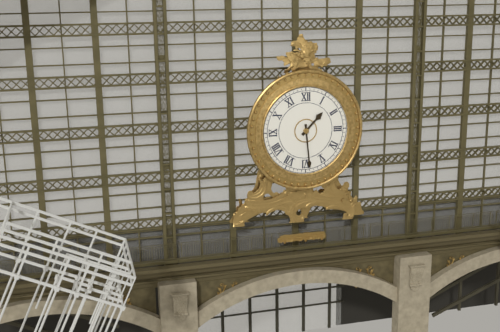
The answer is 1:29
